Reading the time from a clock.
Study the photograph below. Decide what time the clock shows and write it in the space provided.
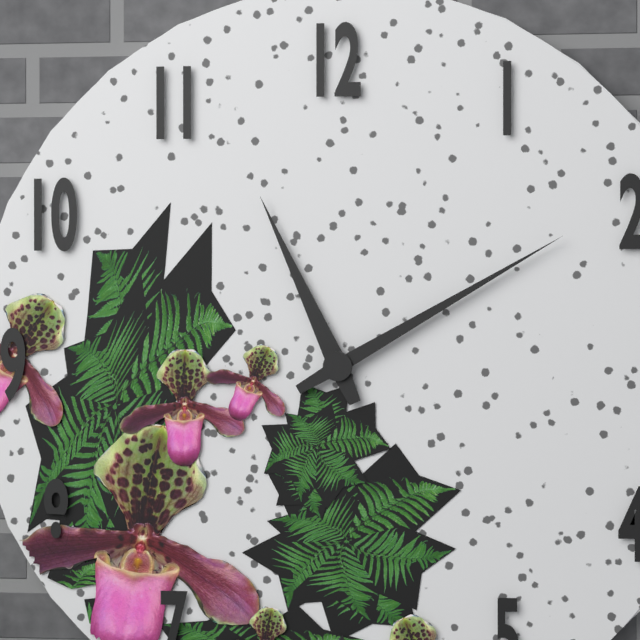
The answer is 11:10
